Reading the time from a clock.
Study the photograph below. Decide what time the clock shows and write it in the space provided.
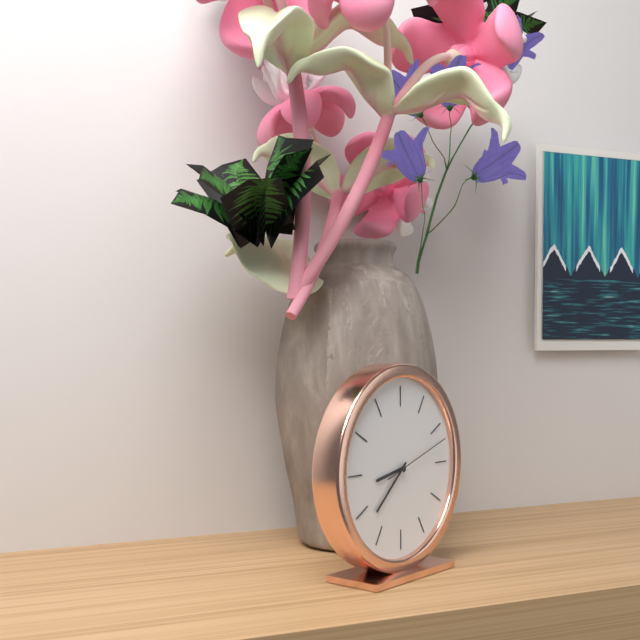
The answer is 8:38:12
